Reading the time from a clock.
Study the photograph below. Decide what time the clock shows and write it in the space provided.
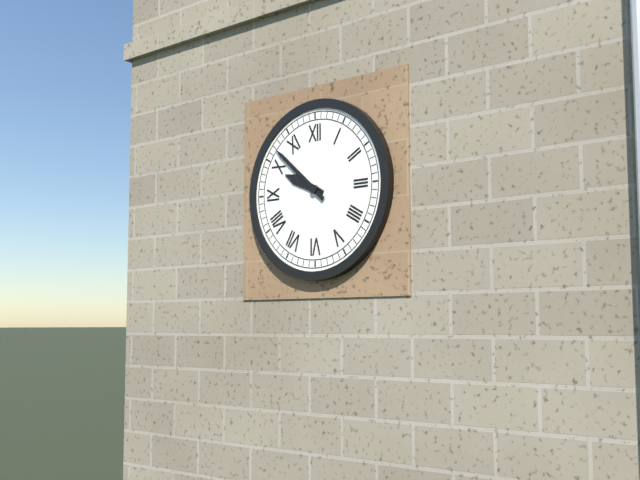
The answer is 9:52
